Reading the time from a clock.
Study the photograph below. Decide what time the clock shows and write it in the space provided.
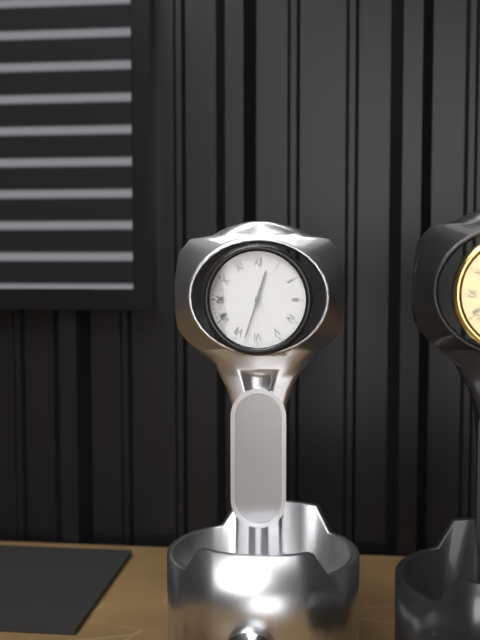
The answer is 12:33
